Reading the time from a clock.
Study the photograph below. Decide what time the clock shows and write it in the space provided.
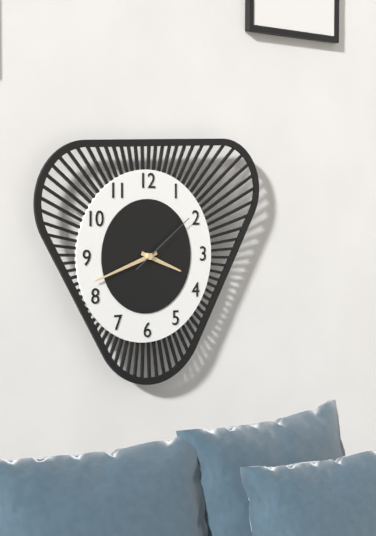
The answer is 3:42:09
